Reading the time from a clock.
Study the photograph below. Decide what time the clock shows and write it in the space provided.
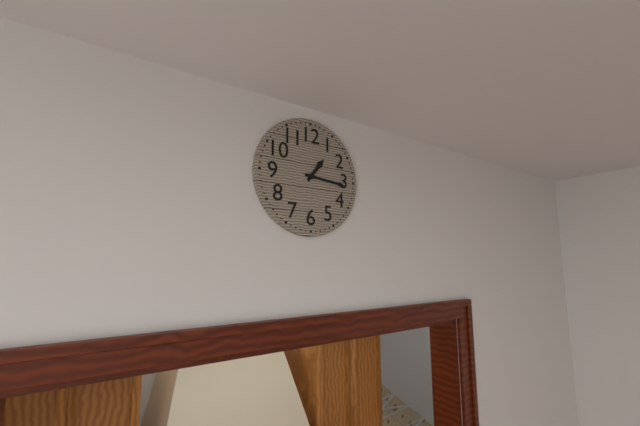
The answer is 1:16
